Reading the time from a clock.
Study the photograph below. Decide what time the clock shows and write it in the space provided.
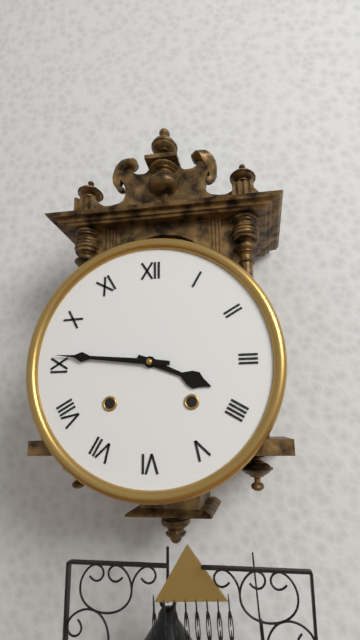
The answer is 3:46
